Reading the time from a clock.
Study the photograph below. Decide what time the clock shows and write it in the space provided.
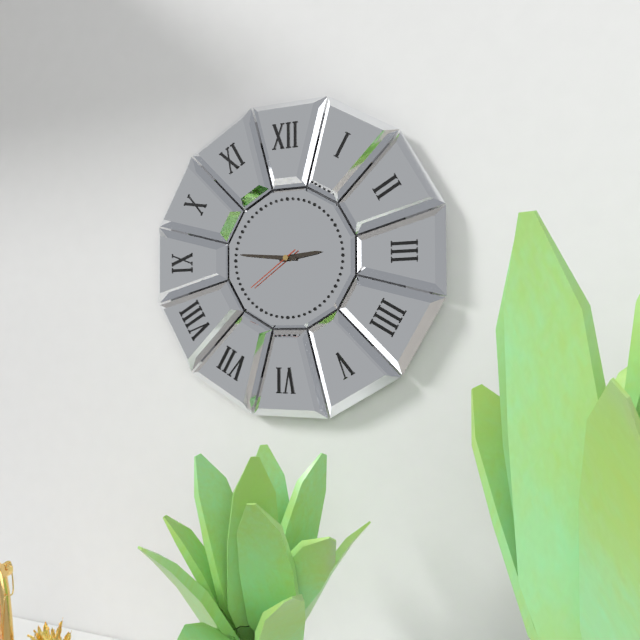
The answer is 2:46:39
